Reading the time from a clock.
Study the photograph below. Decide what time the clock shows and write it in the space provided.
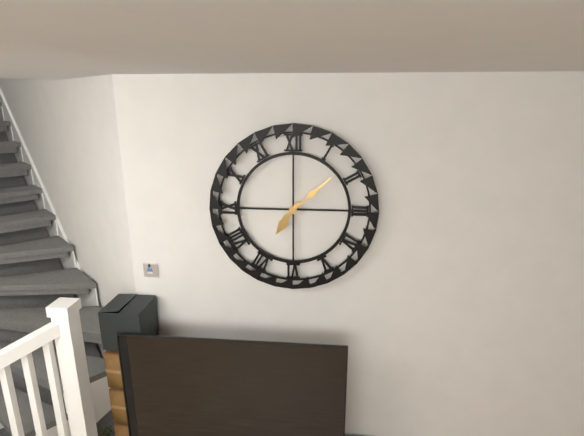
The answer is 7:08
